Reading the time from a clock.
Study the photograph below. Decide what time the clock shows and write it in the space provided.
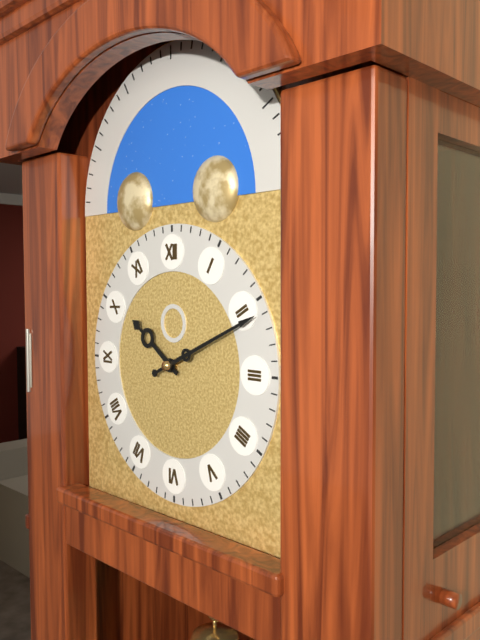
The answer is 10:11
